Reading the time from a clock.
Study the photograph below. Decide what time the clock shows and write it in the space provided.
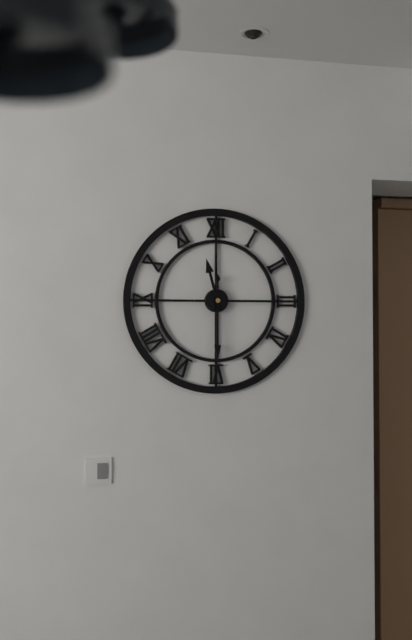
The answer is 11:30
